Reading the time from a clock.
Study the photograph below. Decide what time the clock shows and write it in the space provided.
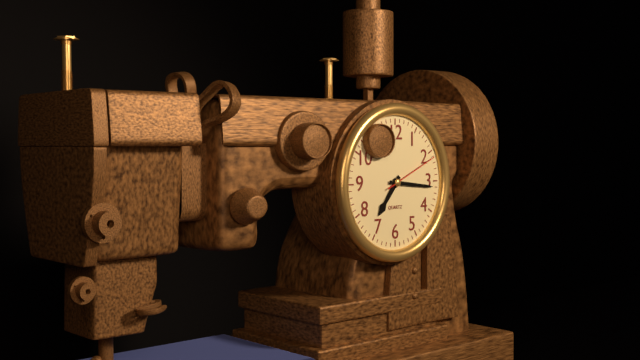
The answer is 7:16:11
